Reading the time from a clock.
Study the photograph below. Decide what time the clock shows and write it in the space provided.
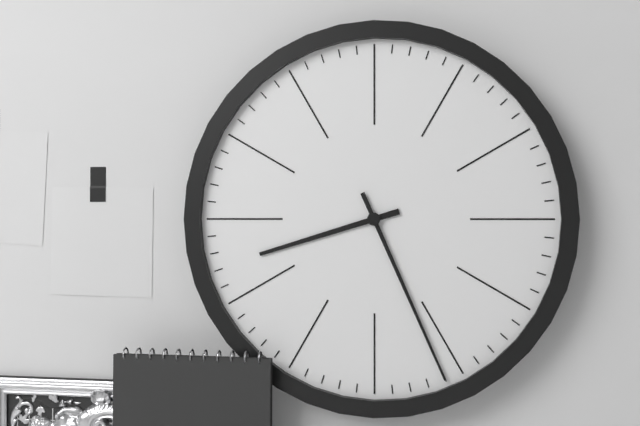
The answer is 8:26
